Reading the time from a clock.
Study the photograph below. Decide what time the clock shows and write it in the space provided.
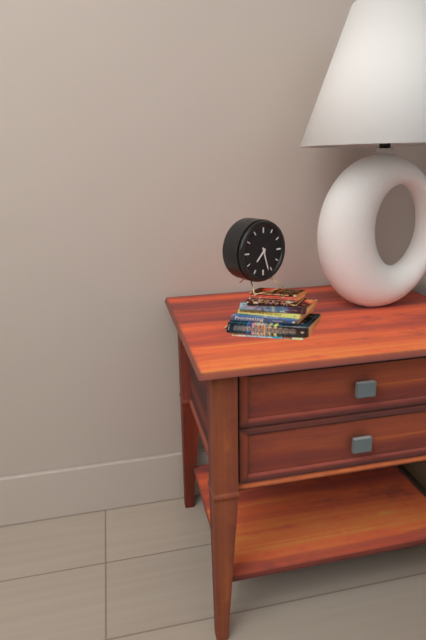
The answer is 7:27
